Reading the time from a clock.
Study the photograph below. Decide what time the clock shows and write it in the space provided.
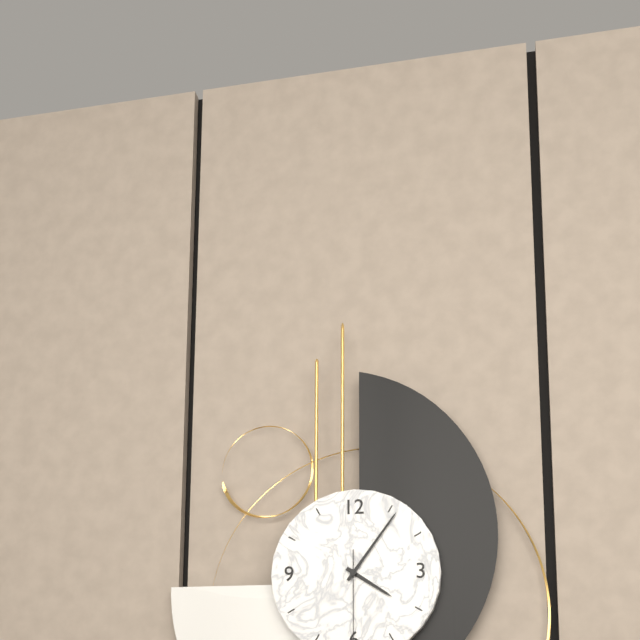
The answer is 4:06
